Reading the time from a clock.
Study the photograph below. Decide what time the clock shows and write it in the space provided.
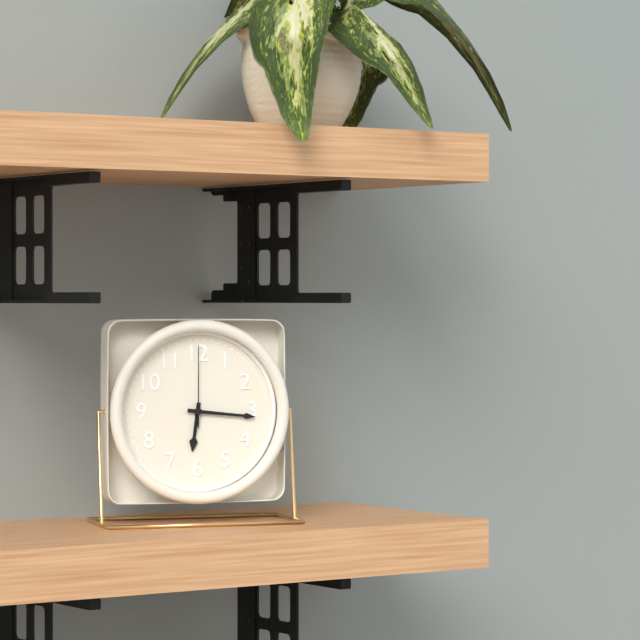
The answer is 6:16:00
